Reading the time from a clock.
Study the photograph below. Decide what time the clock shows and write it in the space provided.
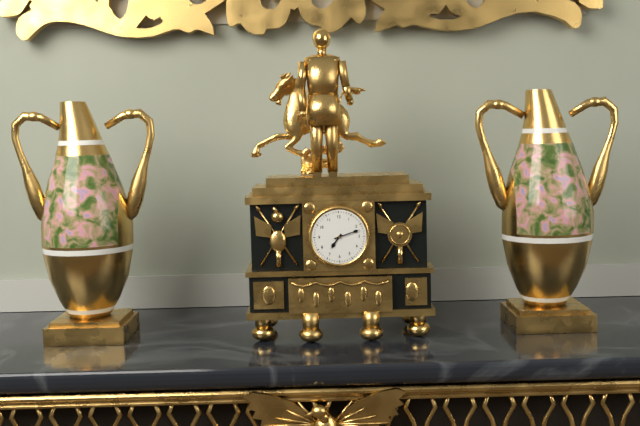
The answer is 7:12
